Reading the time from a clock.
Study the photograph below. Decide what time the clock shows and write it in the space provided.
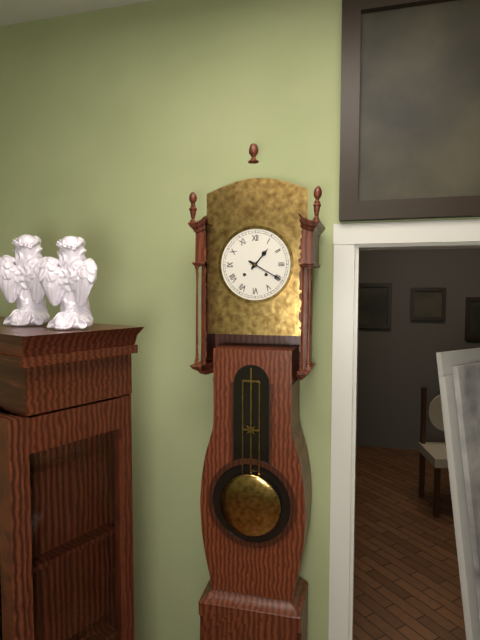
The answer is 1:20
